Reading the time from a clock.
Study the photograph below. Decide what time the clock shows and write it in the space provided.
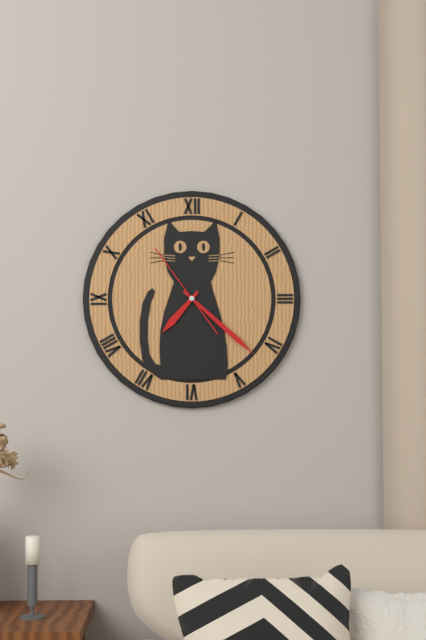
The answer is 7:22:54
